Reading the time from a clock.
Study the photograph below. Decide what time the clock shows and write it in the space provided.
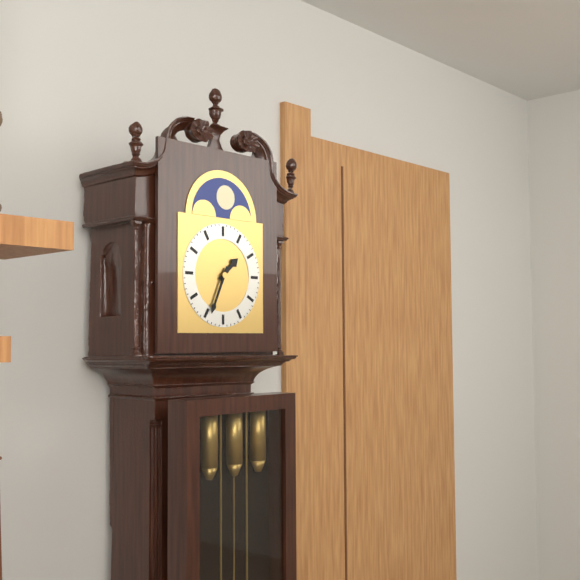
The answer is 1:34
